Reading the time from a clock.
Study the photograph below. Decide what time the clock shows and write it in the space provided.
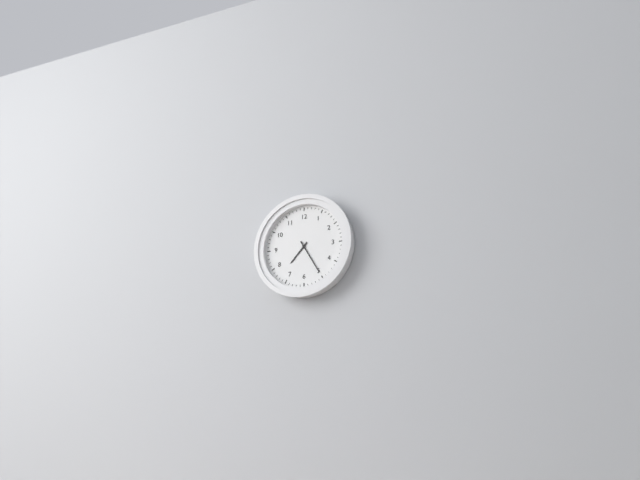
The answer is 7:25
